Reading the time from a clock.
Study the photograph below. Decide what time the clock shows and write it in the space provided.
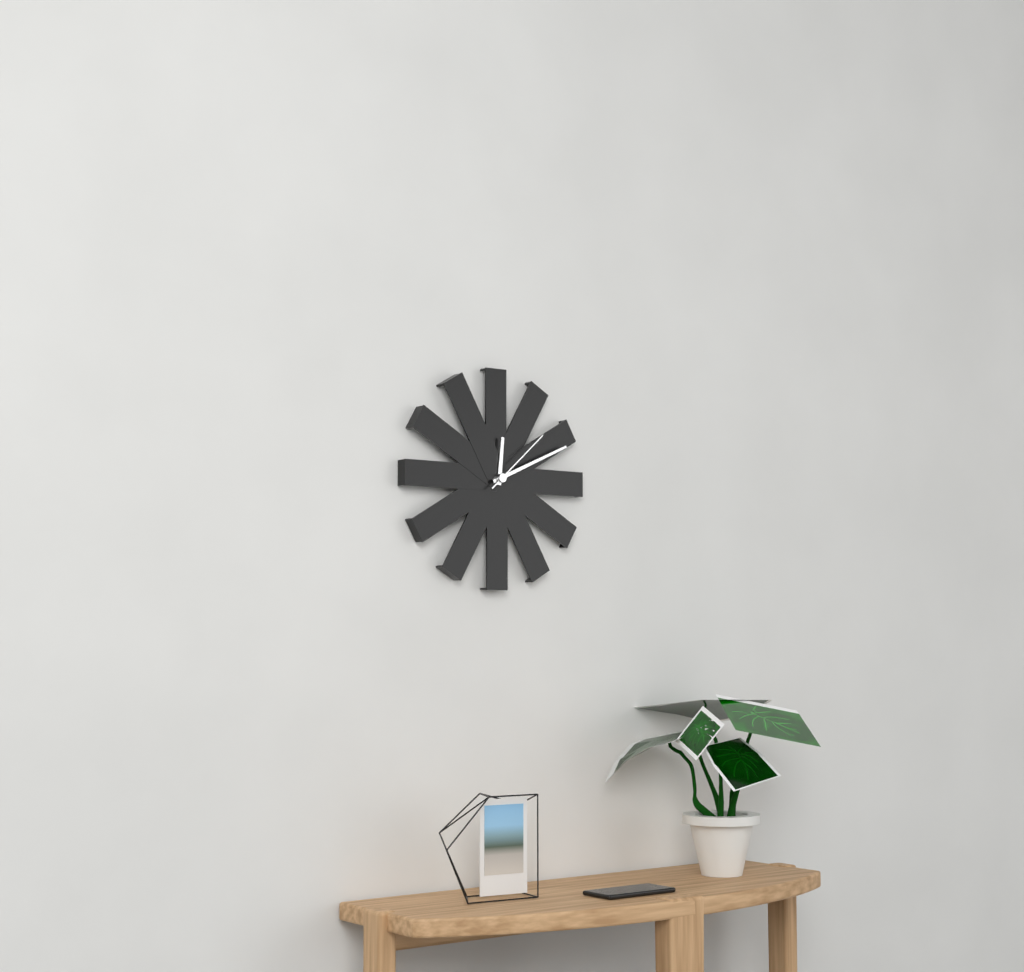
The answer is 12:11:08
